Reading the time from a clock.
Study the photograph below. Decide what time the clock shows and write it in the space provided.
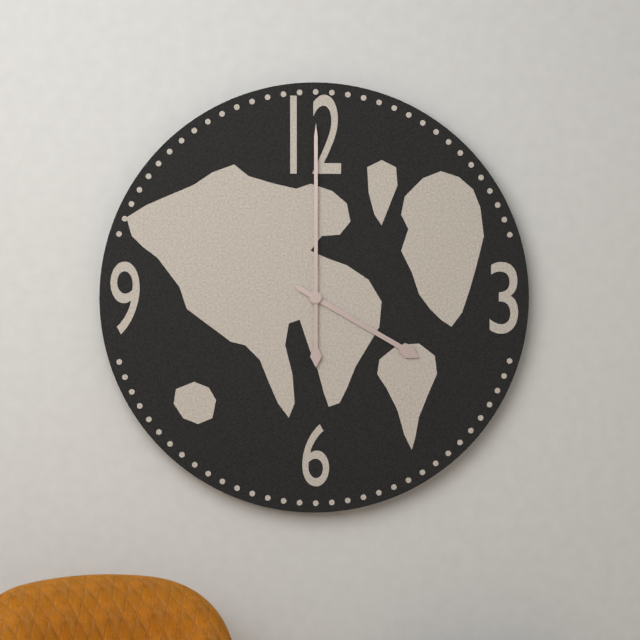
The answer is 4:00
